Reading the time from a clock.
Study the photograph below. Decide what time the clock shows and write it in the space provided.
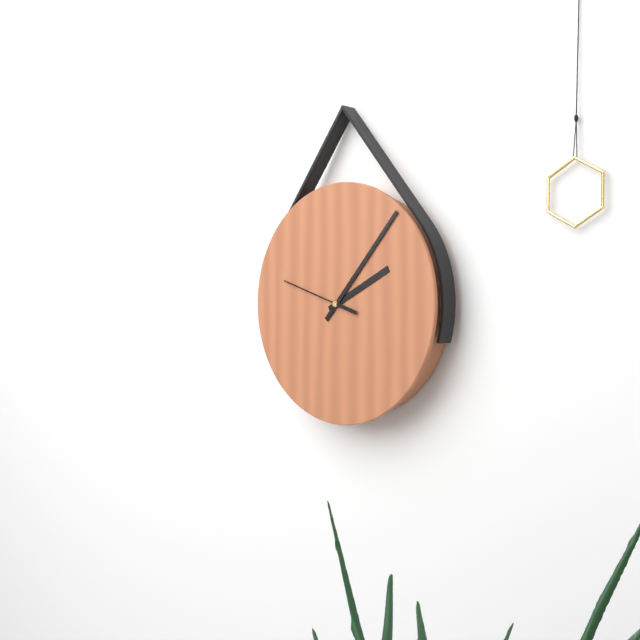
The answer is 2:07:48
